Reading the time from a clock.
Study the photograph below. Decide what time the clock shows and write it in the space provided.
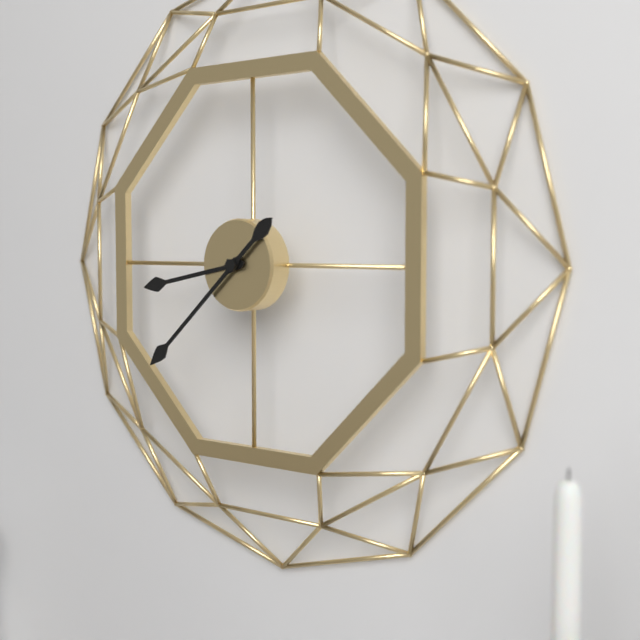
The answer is 8:38
